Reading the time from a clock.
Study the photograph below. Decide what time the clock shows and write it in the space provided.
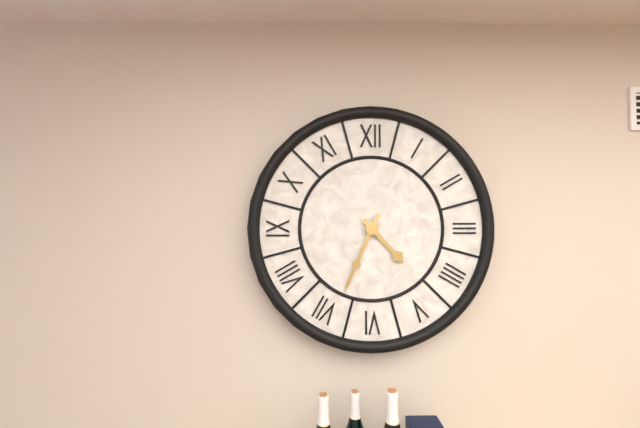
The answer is 4:34
